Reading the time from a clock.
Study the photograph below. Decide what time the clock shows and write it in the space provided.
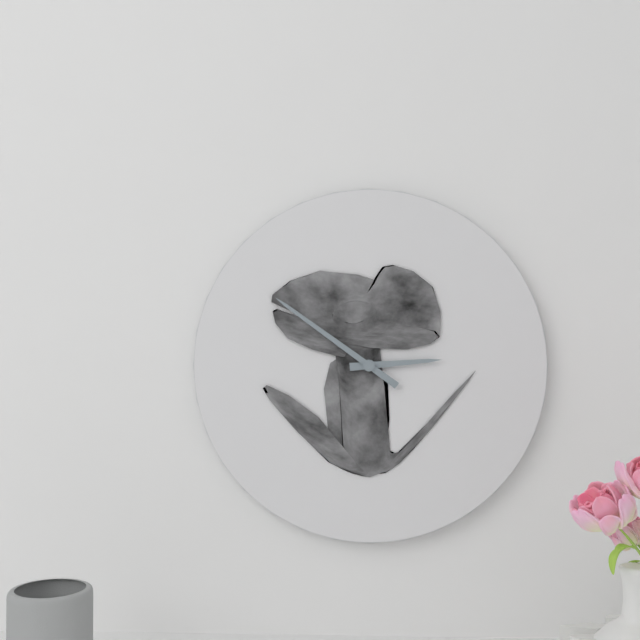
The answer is 2:51
